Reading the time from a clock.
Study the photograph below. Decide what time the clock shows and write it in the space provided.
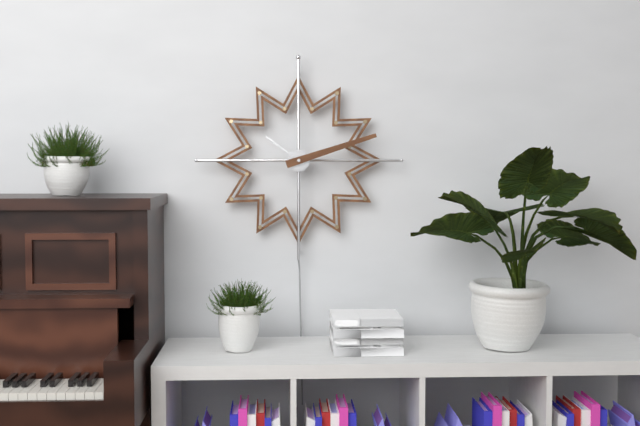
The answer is 10:12
